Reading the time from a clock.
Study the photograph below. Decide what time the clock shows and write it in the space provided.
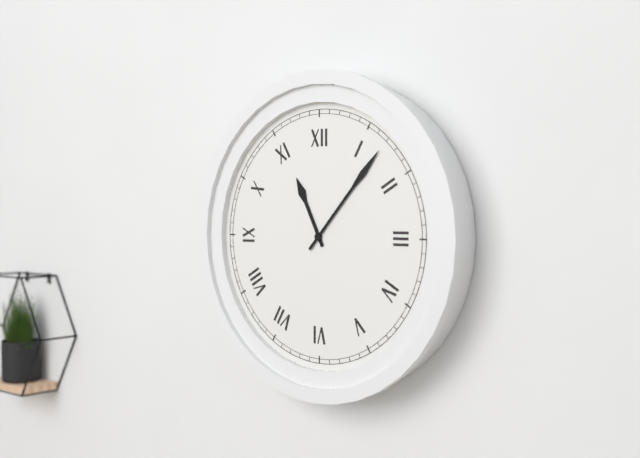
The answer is 11:07
